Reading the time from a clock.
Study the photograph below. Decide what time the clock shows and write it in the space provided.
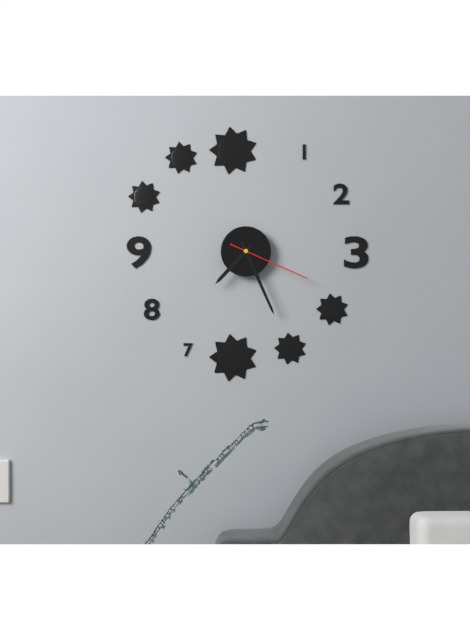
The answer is 7:26:19
